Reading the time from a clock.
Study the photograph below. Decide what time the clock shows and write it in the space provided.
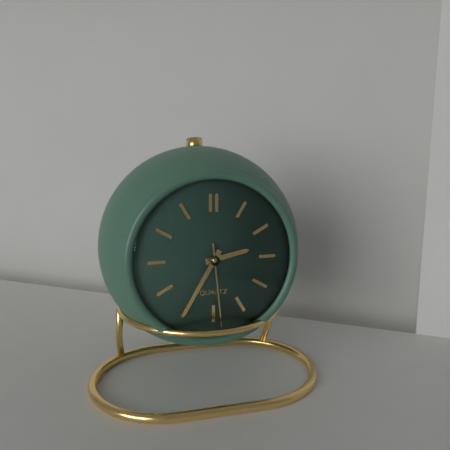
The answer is 2:35:29
